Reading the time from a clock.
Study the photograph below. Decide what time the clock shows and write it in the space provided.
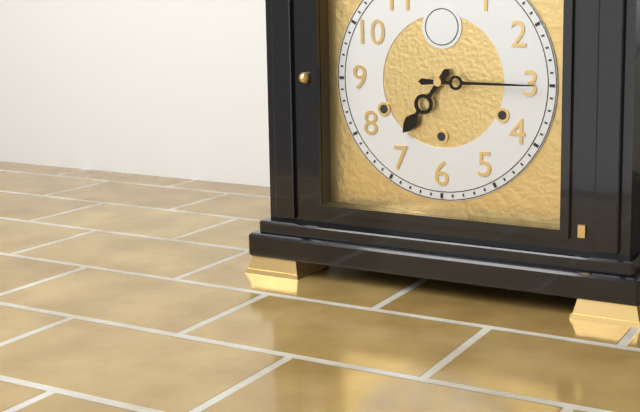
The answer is 7:15
